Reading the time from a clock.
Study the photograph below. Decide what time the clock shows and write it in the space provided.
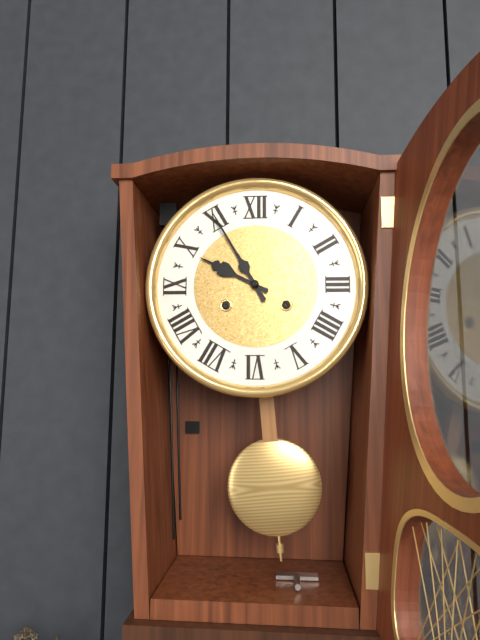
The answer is 9:55
